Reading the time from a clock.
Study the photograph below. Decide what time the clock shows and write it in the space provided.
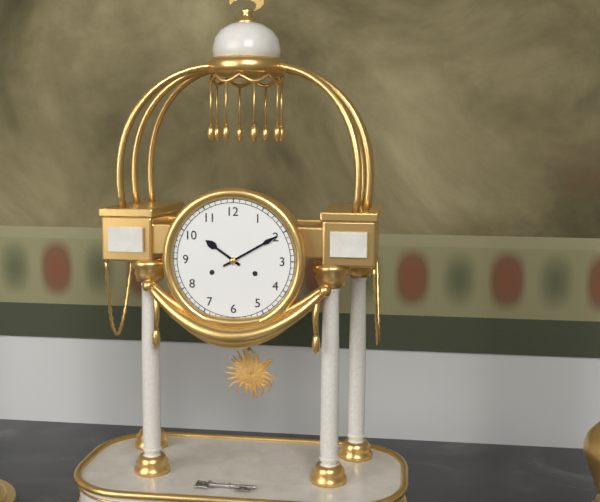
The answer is 10:10
